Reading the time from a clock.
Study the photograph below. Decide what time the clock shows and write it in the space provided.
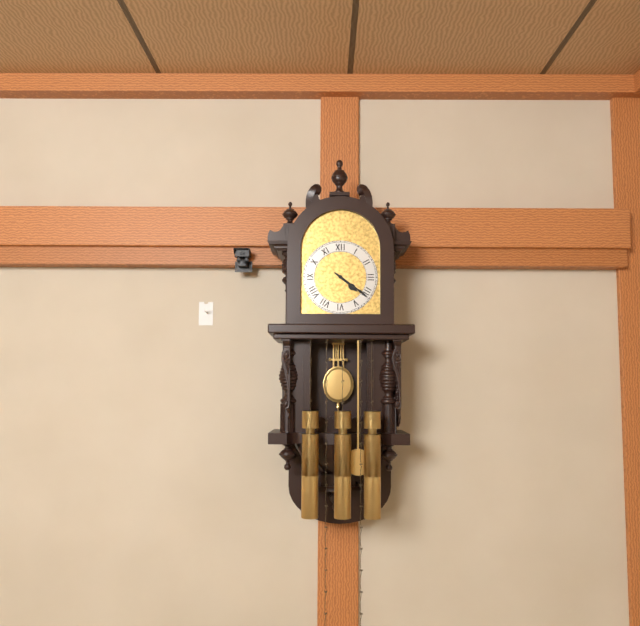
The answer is 4:21
